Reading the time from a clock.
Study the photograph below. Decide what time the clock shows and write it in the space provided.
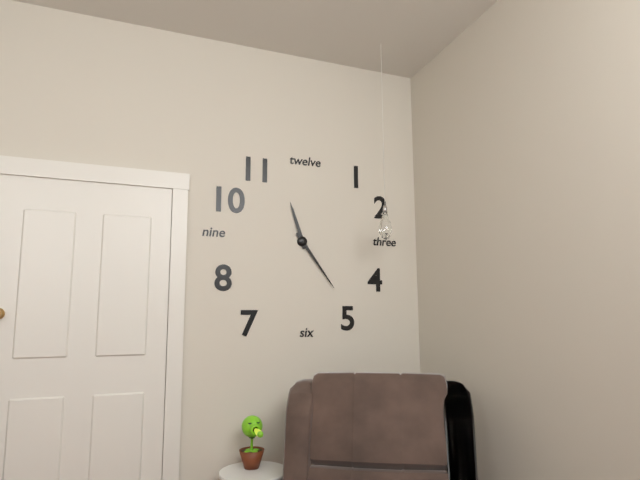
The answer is 11:24
